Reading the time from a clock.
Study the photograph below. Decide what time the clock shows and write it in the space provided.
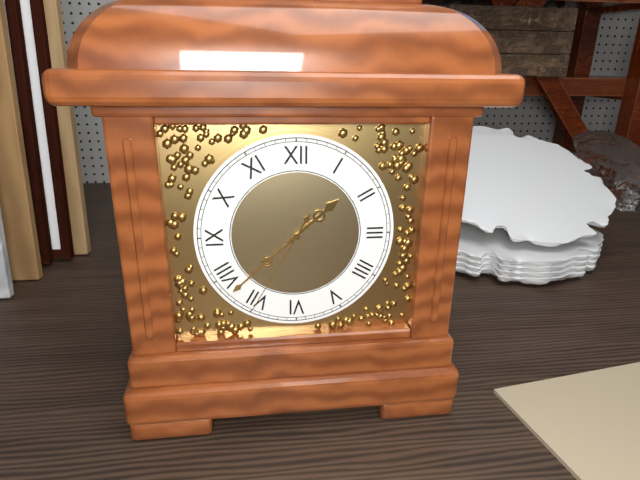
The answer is 1:38:35
